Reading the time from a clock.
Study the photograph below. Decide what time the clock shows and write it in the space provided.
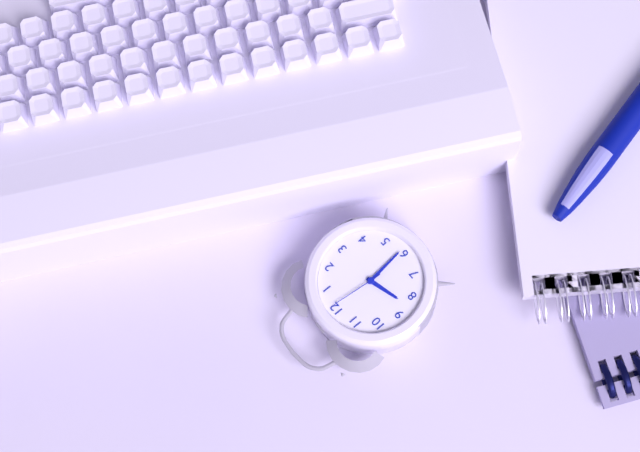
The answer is 8:29:01
